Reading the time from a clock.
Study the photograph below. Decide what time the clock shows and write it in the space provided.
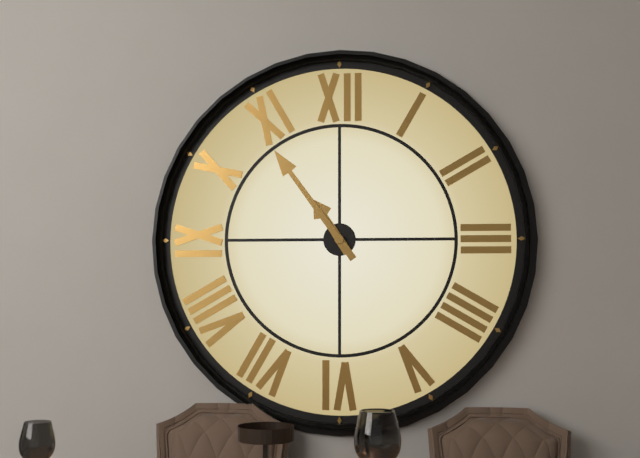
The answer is 10:54
